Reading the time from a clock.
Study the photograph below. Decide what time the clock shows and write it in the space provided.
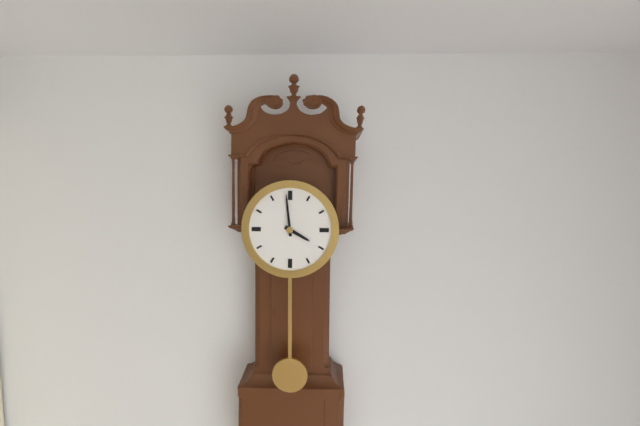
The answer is 3:59
